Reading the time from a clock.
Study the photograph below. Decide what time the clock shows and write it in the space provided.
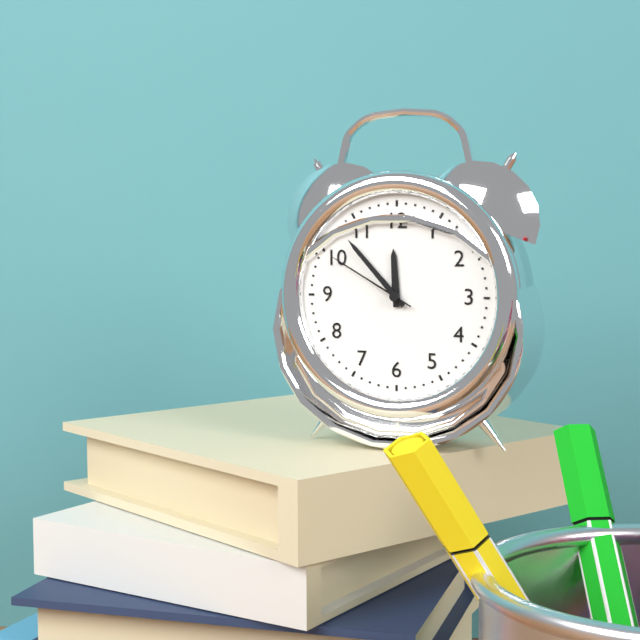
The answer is 11:53:50
